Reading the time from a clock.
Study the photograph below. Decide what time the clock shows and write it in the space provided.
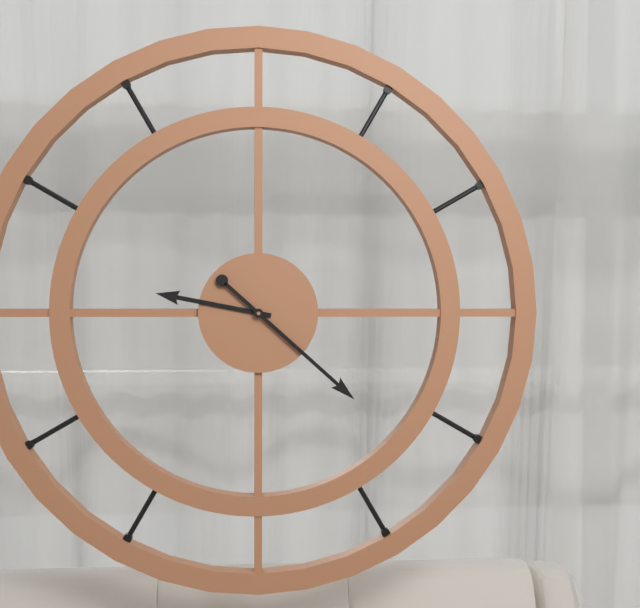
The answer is 9:22
